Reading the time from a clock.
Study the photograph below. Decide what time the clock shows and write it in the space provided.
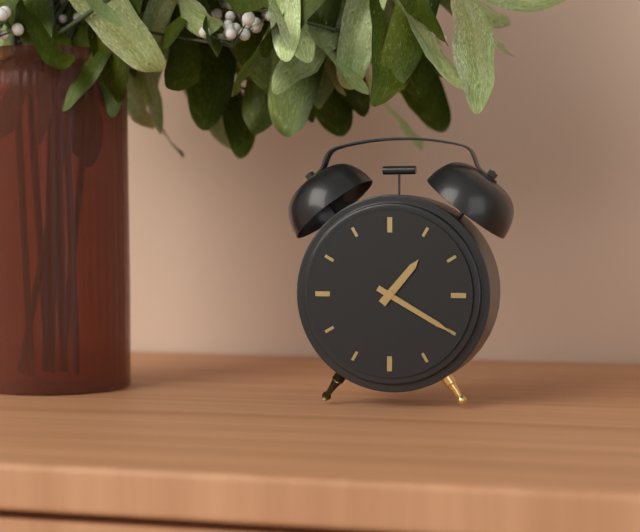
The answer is 1:20
